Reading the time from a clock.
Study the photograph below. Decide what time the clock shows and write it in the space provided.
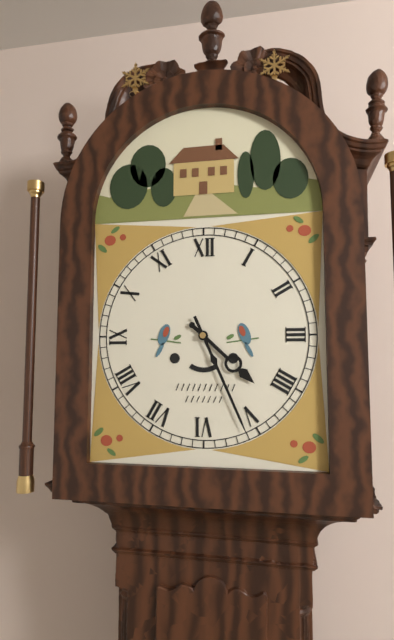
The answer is 4:26
